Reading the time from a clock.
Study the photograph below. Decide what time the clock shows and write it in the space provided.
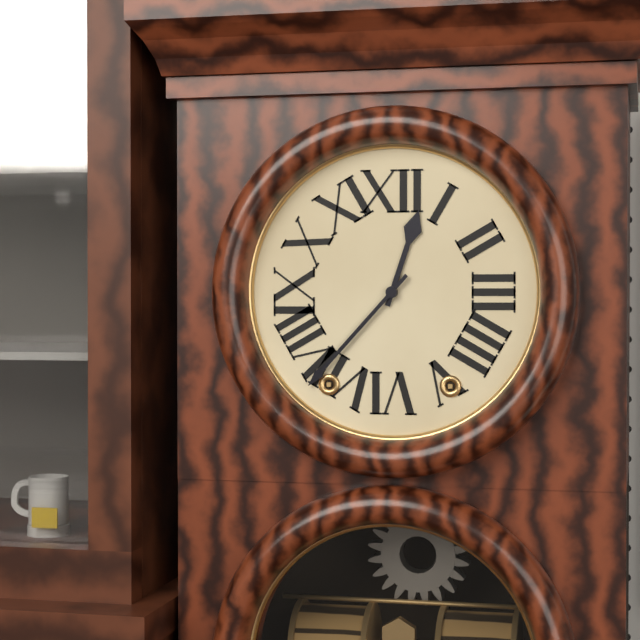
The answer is 12:37
